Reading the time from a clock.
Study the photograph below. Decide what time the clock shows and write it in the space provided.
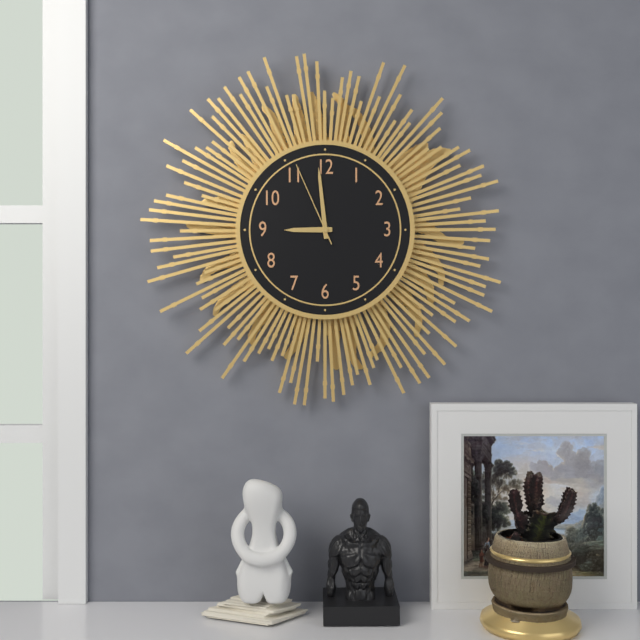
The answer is 8:59:56
